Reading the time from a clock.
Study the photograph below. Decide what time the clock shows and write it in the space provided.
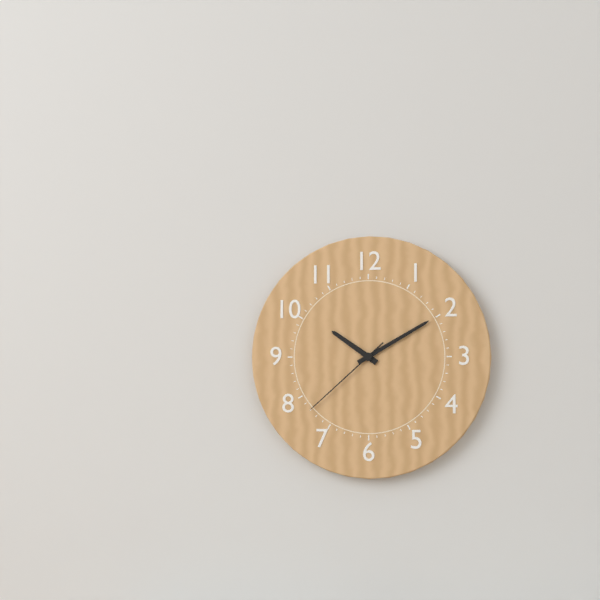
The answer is 10:10:38
